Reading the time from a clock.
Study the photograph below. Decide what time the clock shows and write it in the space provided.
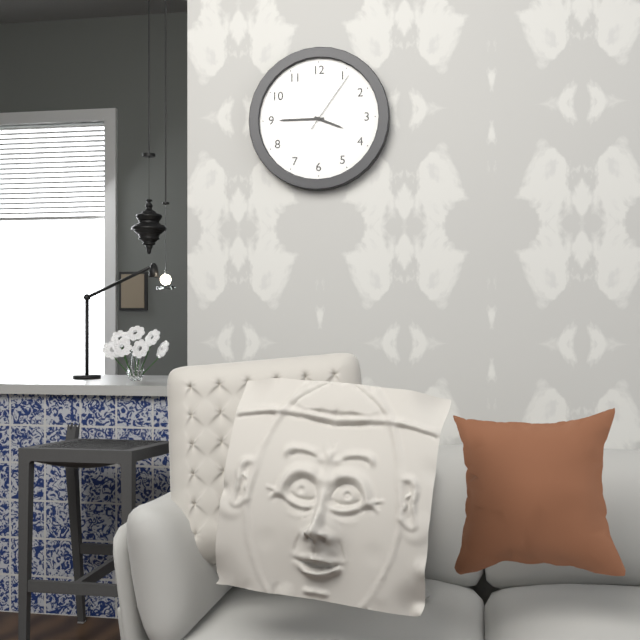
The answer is 3:45:06
